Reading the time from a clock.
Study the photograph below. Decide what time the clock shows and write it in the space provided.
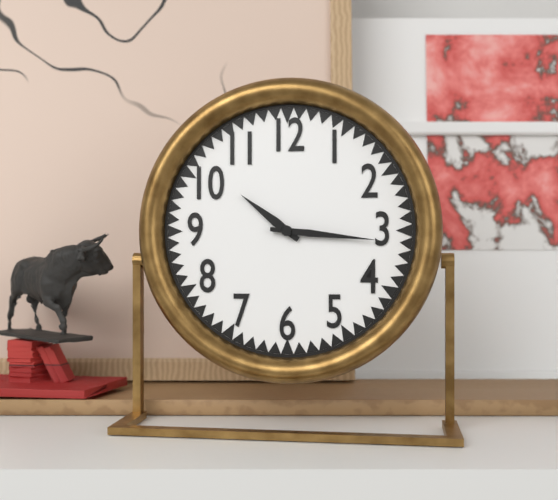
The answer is 10:16
